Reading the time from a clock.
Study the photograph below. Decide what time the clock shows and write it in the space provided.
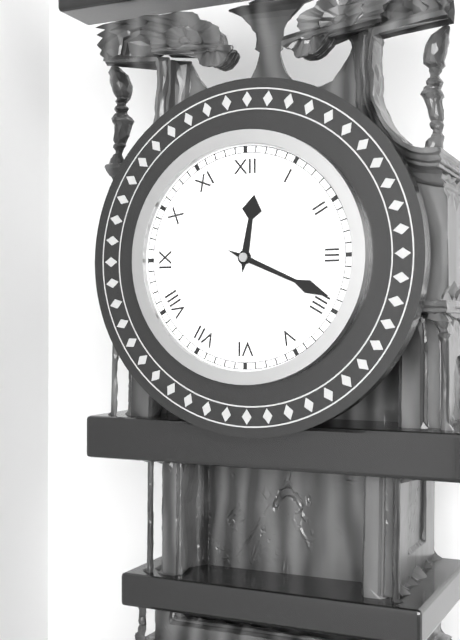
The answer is 12:19
